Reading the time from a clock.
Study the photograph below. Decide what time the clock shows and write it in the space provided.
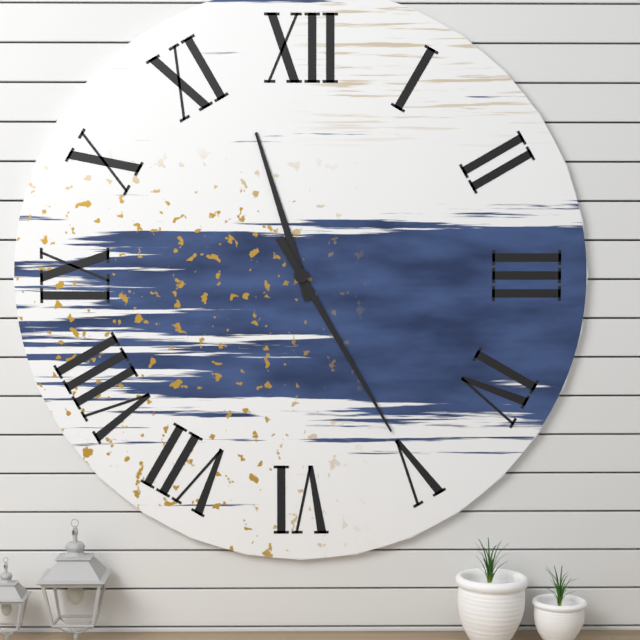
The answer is 11:25
